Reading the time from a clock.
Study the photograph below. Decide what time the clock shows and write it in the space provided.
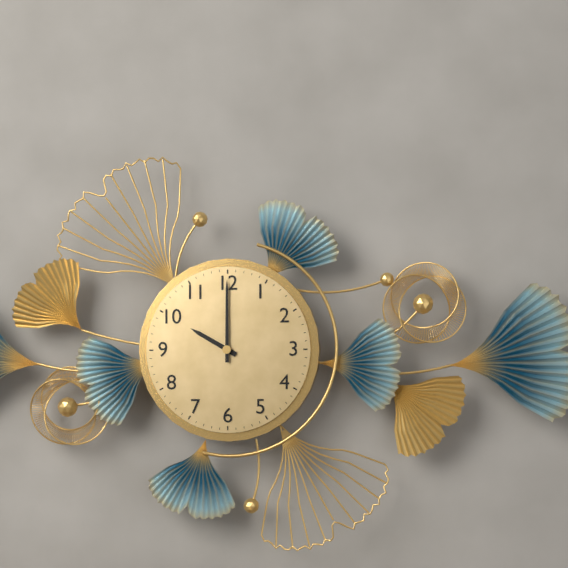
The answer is 10:00
